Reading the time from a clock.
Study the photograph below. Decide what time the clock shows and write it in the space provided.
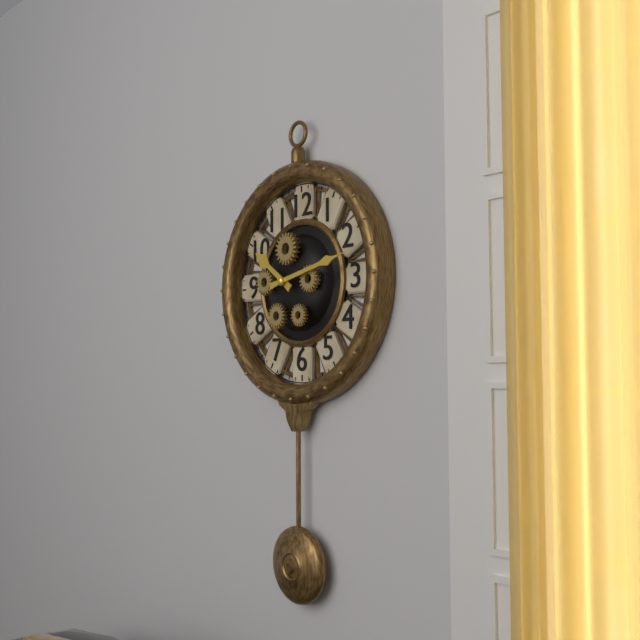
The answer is 10:13
